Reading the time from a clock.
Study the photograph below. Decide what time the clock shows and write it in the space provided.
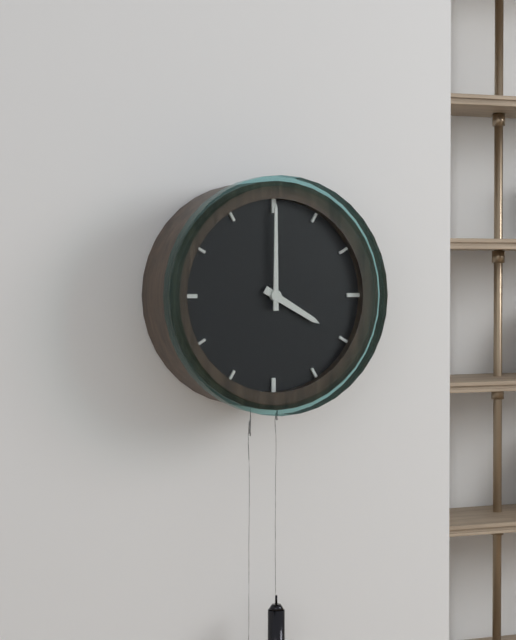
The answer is 4:00
